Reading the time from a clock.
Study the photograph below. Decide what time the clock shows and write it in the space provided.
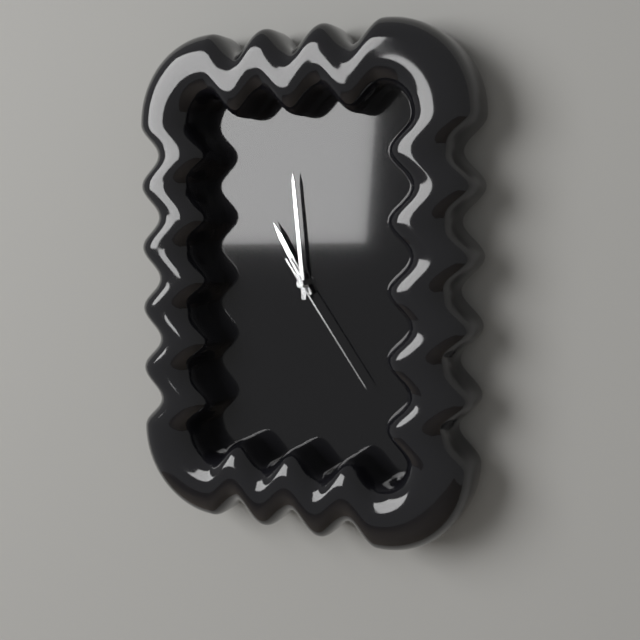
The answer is 10:59:24
